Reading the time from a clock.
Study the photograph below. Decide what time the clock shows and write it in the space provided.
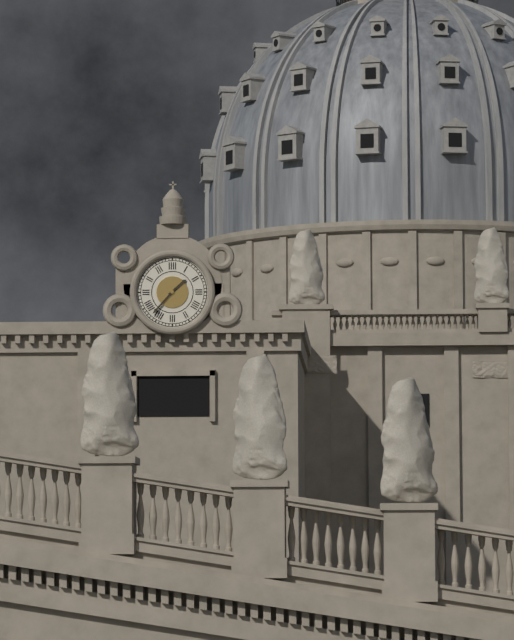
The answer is 1:37
